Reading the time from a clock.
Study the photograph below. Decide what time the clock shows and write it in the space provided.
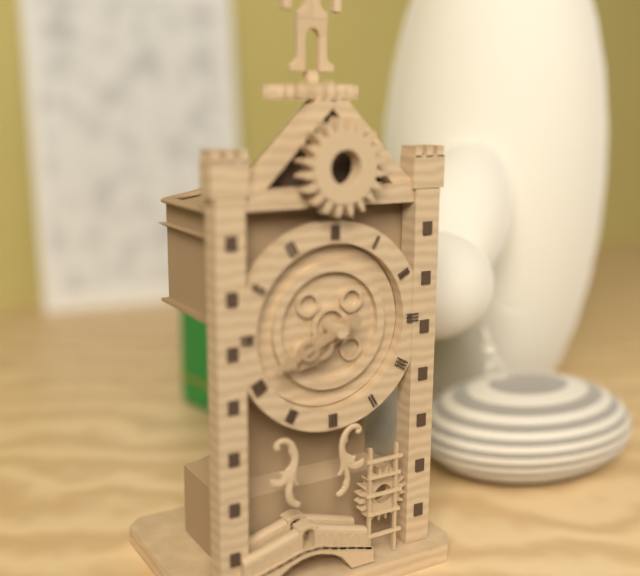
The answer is 7:41
